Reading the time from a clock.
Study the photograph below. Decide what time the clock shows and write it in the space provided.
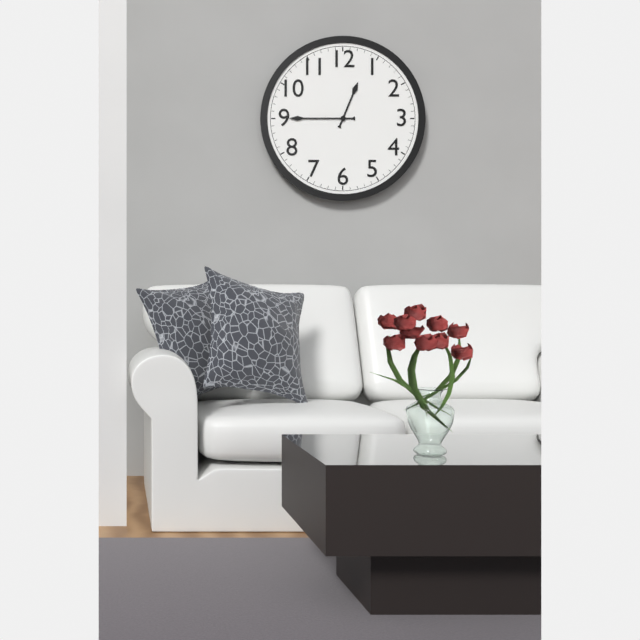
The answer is 12:45
